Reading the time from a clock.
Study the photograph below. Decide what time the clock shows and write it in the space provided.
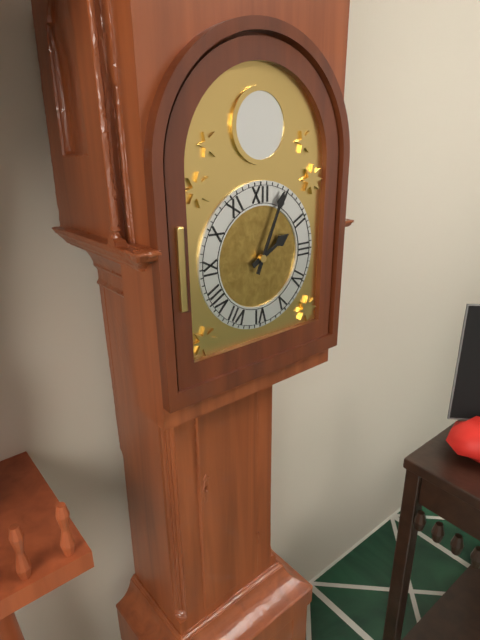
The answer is 2:04
